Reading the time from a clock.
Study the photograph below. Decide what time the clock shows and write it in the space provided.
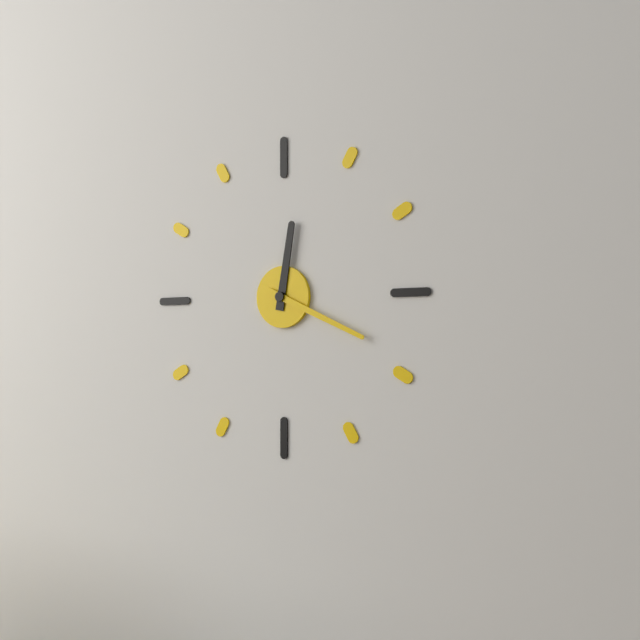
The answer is 12:19
